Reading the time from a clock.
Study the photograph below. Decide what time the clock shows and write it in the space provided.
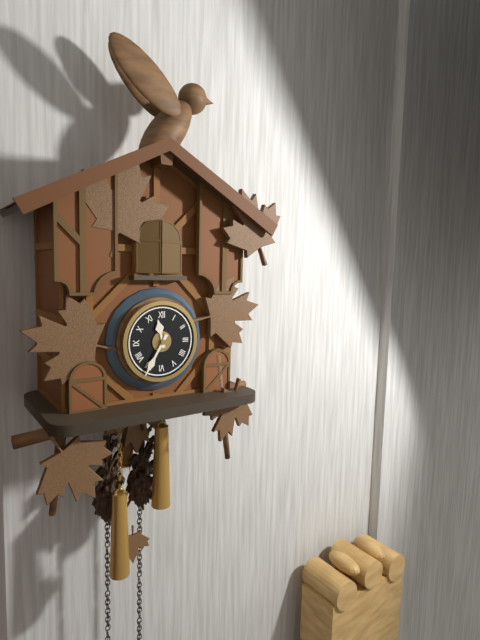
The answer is 11:35
